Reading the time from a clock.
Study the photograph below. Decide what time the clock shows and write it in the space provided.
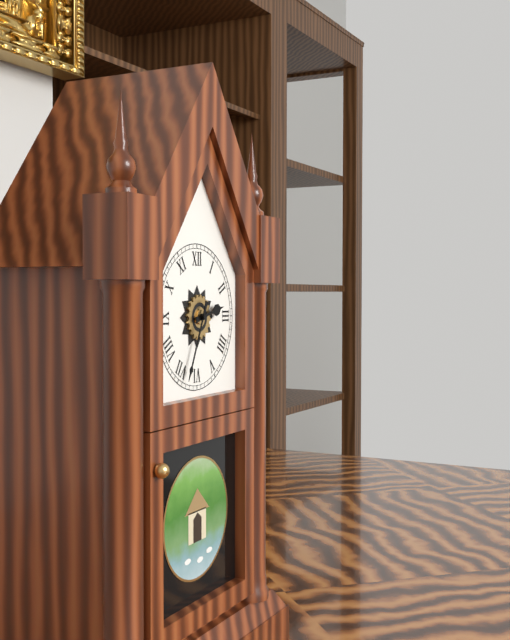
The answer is 2:34
